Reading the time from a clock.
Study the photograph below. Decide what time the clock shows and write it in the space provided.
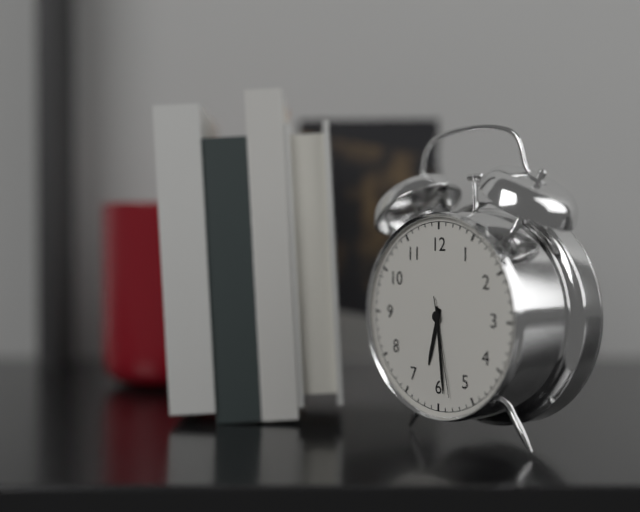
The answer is 6:29:28
